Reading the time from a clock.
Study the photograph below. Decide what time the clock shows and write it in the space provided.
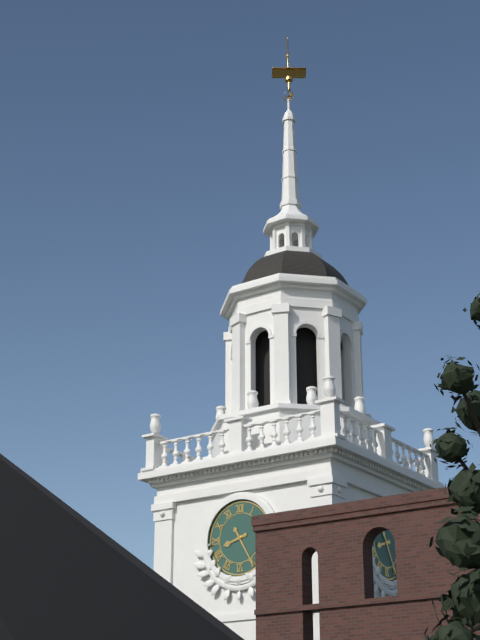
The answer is 8:25
